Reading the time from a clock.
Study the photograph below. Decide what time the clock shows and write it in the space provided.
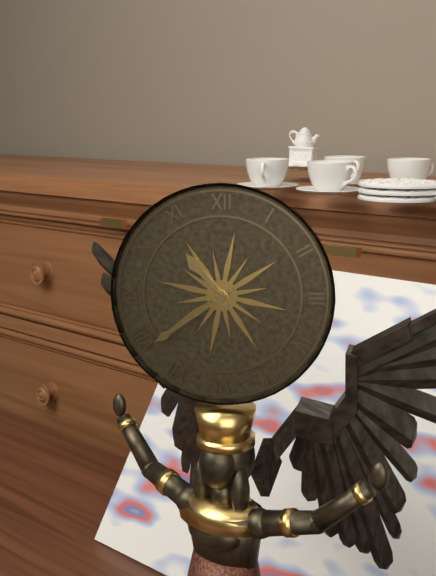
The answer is 10:39
